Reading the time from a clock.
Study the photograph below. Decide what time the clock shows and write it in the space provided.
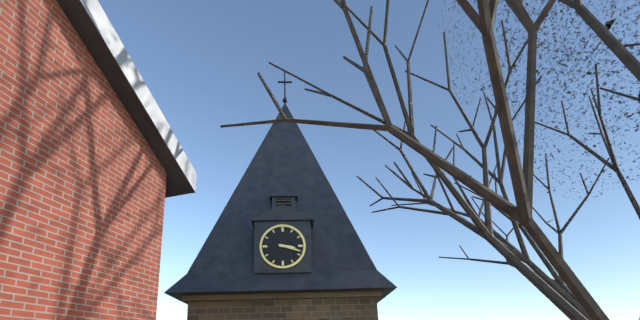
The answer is 3:18
